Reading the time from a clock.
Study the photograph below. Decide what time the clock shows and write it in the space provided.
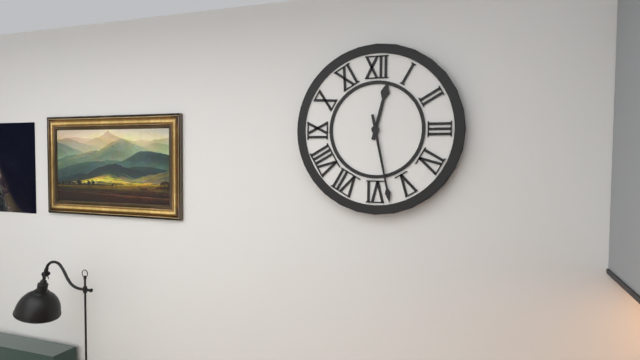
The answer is 12:28
